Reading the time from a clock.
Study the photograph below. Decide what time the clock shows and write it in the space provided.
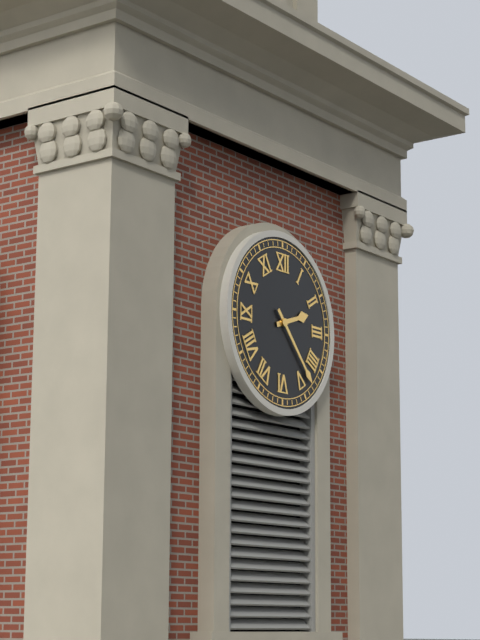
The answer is 2:23
